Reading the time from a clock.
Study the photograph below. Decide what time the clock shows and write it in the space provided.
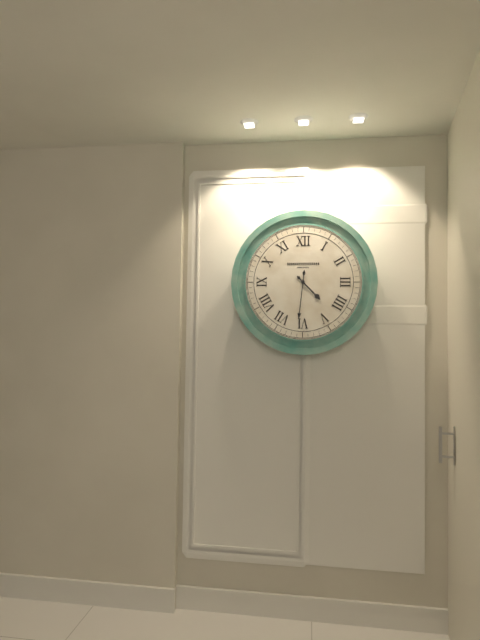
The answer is 4:31
